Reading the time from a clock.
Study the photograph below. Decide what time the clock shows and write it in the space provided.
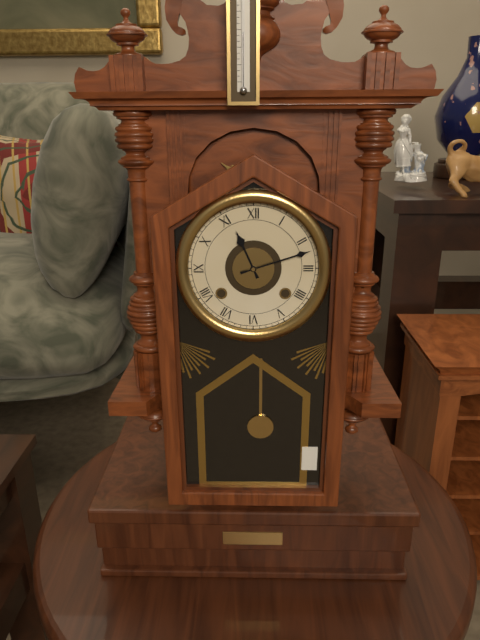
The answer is 11:12
